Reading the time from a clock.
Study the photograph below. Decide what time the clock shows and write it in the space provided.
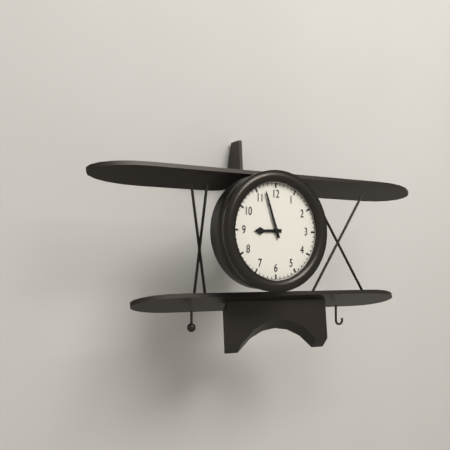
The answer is 8:57
